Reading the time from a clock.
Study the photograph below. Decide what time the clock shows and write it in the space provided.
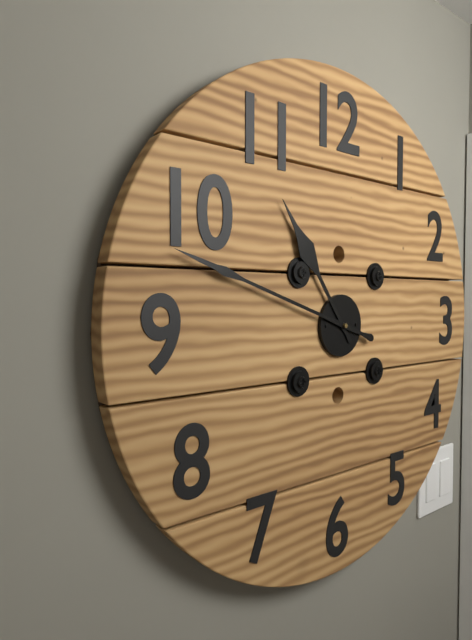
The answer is 10:48
